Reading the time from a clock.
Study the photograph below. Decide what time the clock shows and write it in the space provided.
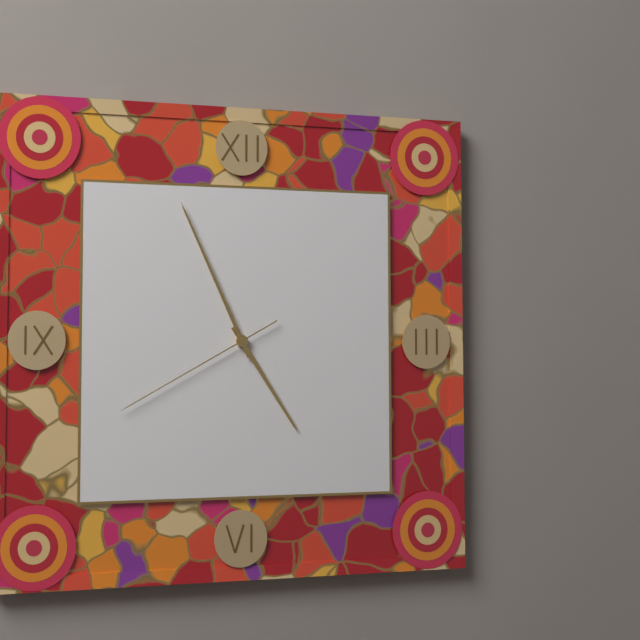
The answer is 4:56:40
